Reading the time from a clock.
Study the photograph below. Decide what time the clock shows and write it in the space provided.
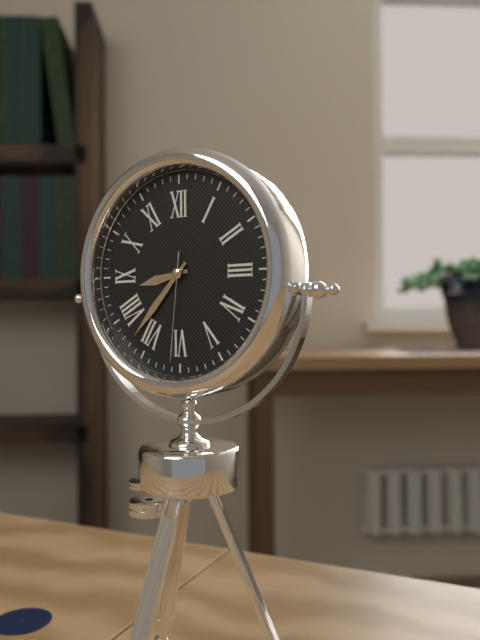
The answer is 8:37:31
